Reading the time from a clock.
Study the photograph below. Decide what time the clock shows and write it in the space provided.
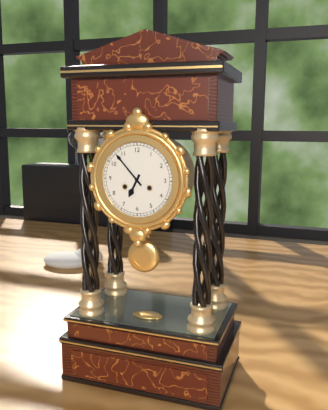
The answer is 6:53
